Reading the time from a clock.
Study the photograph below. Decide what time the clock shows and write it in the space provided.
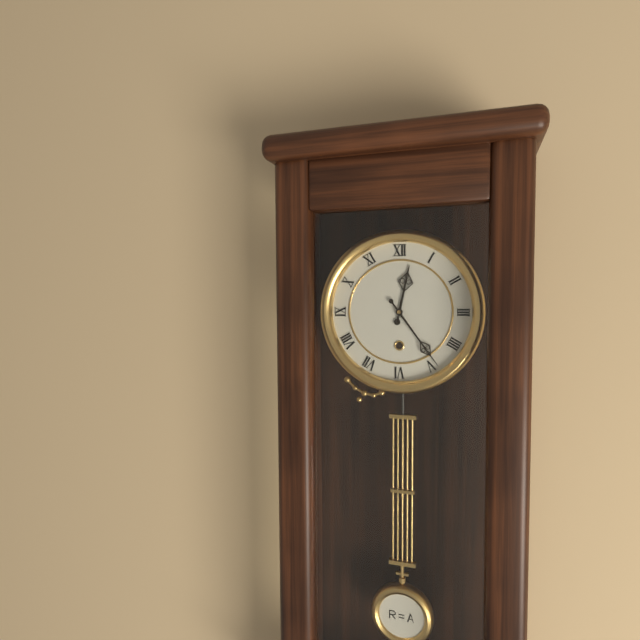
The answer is 12:24
